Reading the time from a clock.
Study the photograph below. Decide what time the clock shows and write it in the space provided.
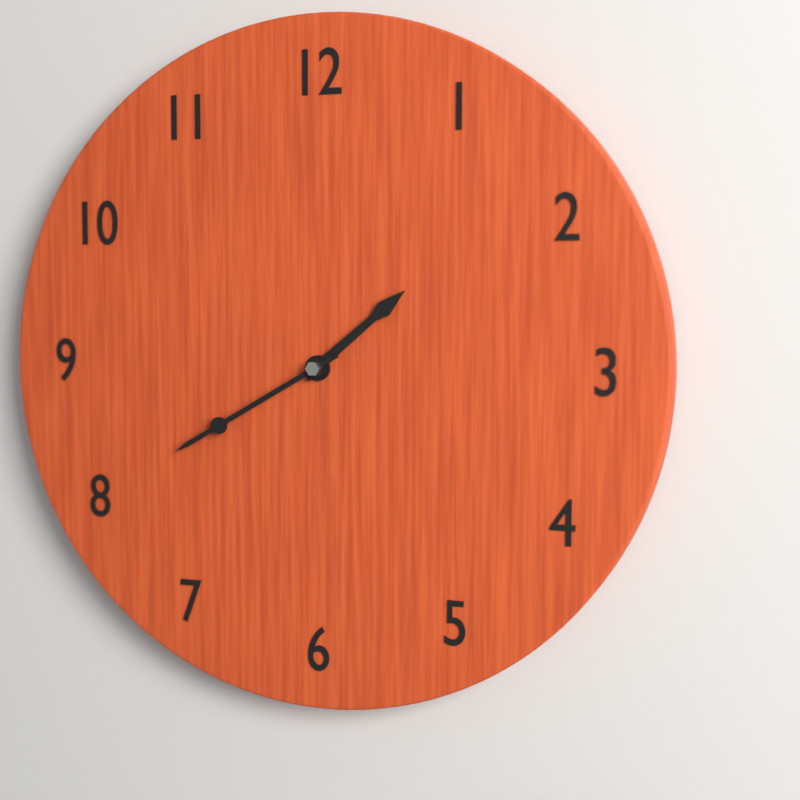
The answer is 1:40
